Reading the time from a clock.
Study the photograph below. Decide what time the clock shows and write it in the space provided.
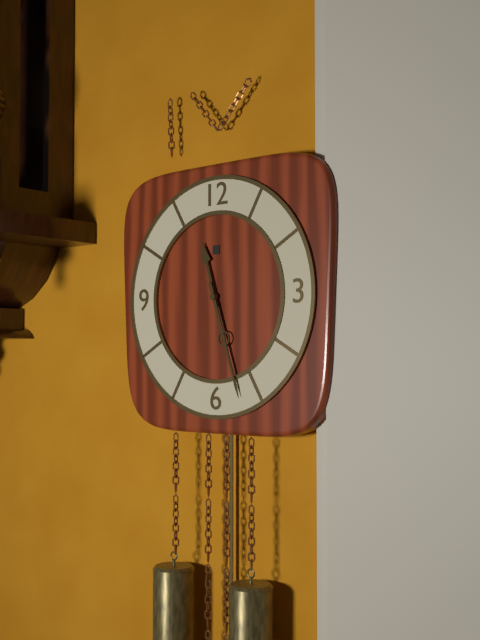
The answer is 11:27
